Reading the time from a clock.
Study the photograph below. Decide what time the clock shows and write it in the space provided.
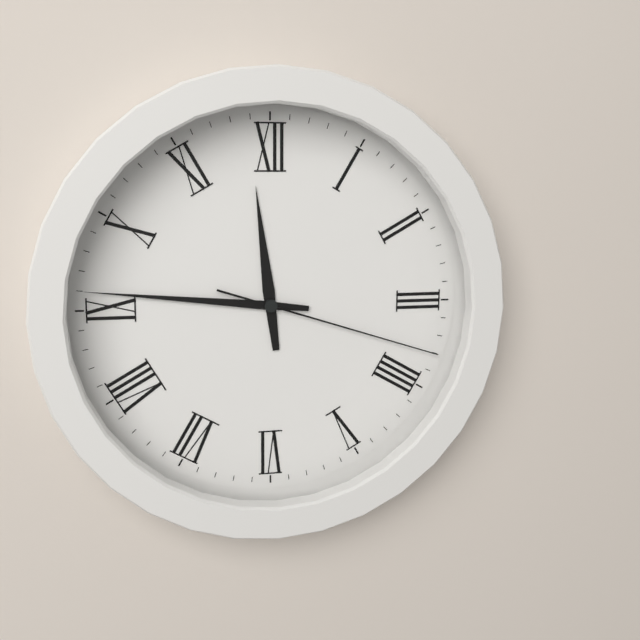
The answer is 11:46:18
